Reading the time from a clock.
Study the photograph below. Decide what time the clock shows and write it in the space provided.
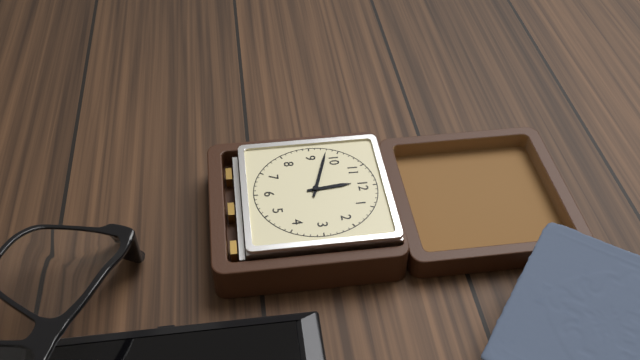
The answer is 11:48
